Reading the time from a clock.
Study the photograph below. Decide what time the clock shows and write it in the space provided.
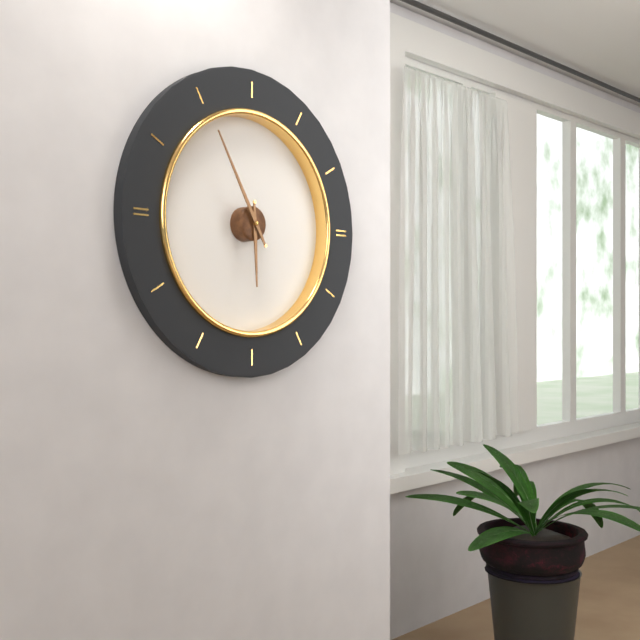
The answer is 5:55
